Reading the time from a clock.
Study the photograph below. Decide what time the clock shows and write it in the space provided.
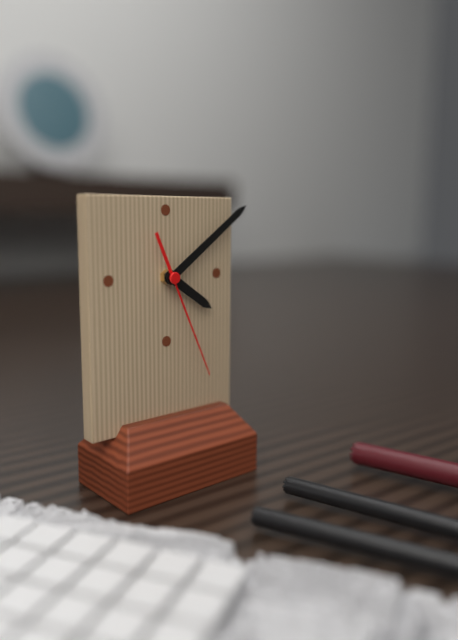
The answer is 4:09:26
